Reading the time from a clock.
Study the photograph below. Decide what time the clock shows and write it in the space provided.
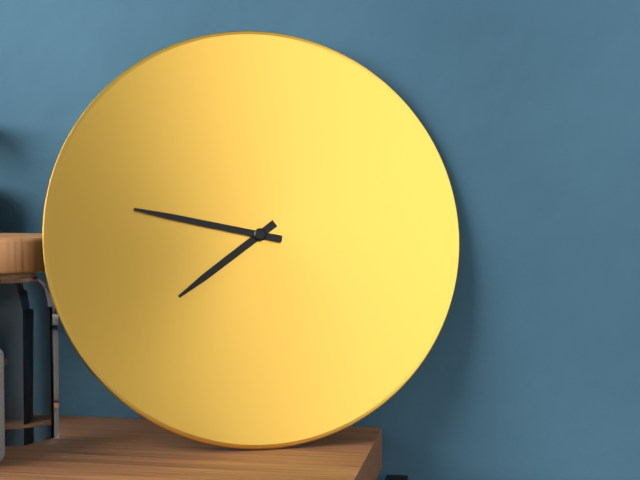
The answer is 7:47
